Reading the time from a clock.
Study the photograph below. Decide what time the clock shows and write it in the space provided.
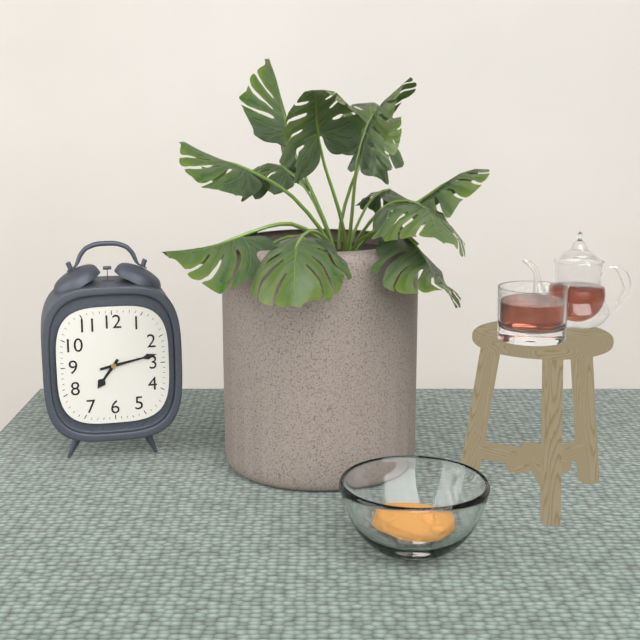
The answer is 7:13
